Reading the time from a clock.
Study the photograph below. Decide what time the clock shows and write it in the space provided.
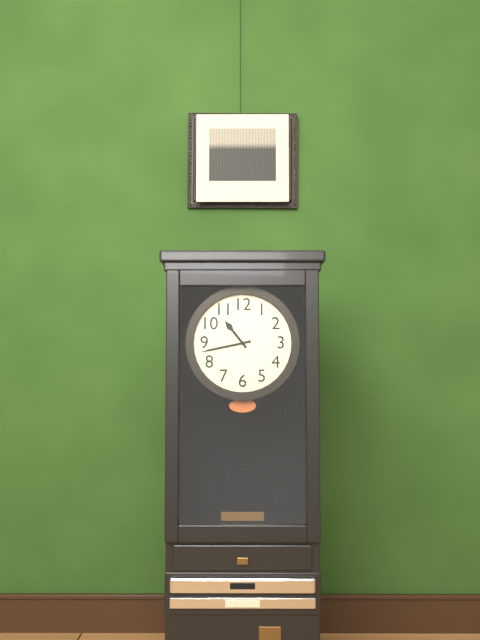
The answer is 10:43
